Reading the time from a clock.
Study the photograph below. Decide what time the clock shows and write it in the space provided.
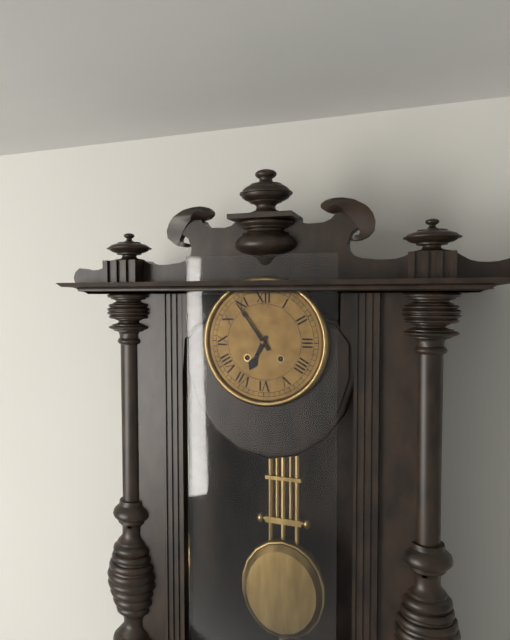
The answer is 6:54
